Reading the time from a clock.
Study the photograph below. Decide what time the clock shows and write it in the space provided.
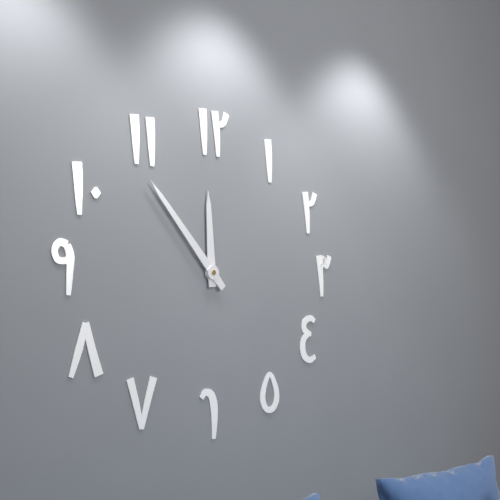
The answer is 11:53
